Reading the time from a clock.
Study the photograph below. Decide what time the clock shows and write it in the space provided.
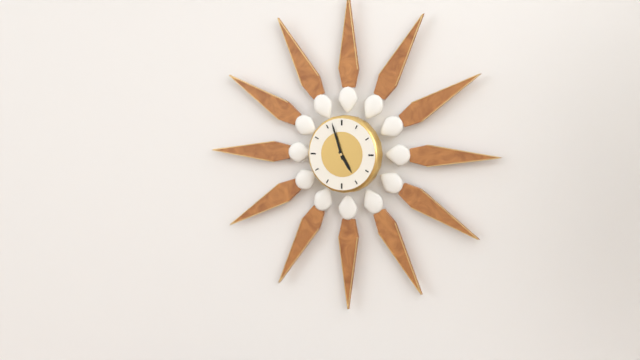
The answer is 4:57
